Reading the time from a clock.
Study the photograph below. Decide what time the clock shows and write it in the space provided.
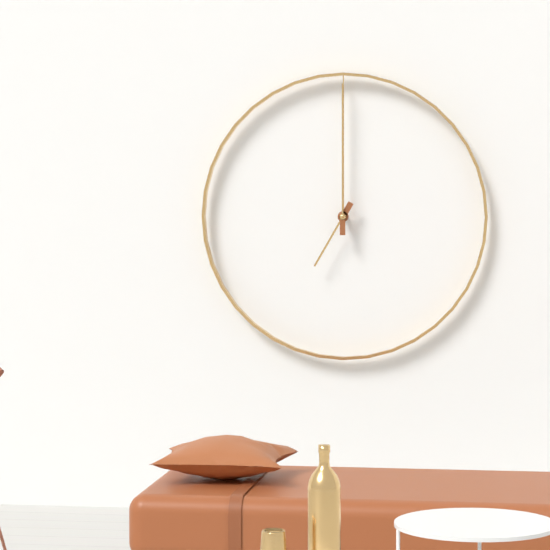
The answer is 7:00
